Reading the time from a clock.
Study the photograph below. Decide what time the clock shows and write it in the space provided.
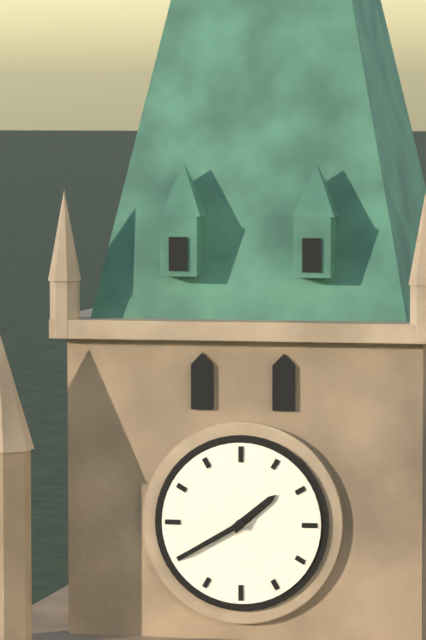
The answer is 1:40
